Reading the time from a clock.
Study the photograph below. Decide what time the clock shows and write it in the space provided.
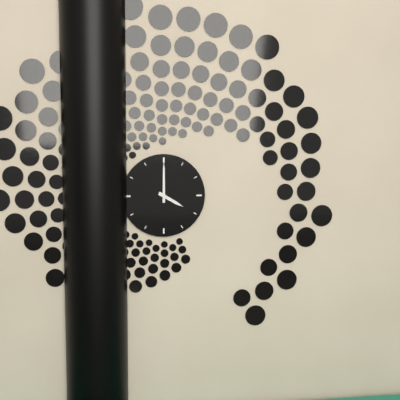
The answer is 4:00
